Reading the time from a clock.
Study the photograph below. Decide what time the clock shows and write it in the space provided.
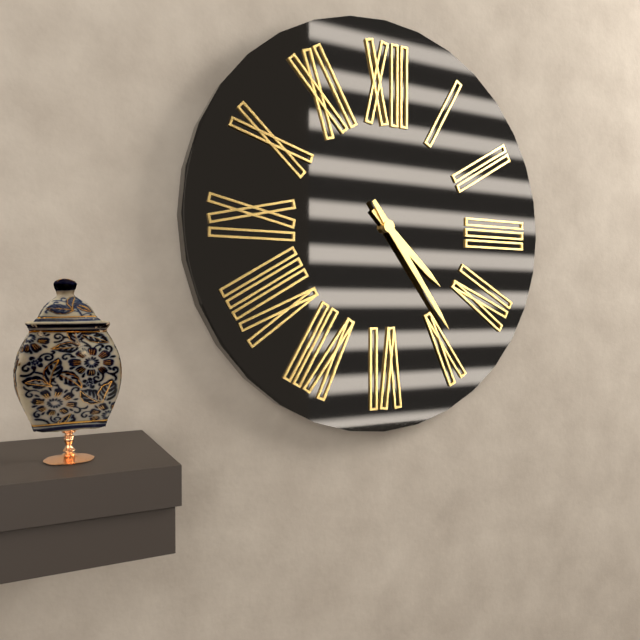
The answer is 4:24
